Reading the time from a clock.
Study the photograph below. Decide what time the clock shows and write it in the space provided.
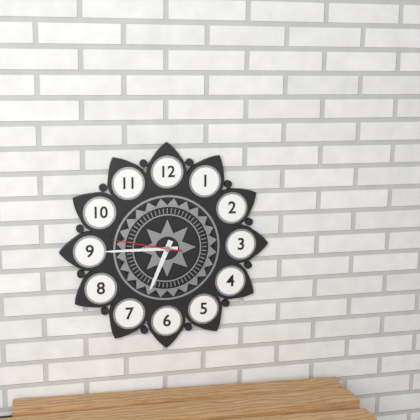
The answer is 6:45:47
